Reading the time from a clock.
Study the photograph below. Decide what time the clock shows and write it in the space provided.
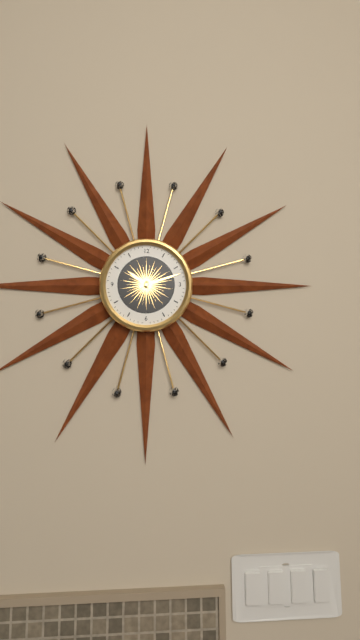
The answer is 10:12
